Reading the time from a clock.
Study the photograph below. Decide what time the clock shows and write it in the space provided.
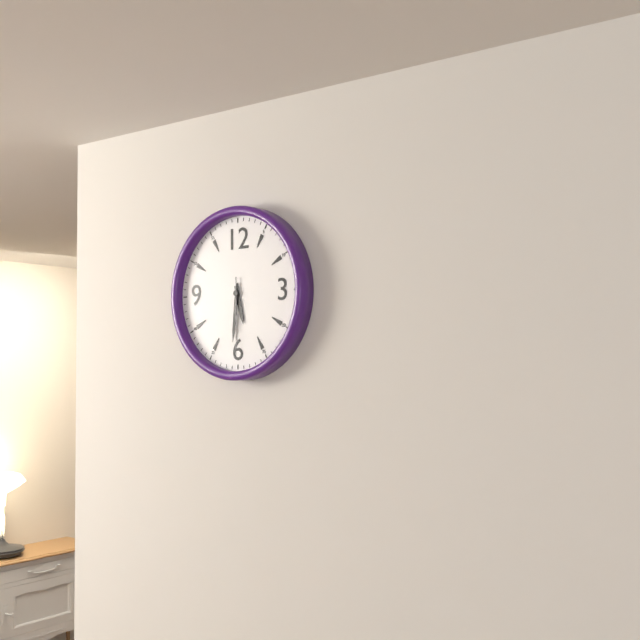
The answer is 5:31:30
